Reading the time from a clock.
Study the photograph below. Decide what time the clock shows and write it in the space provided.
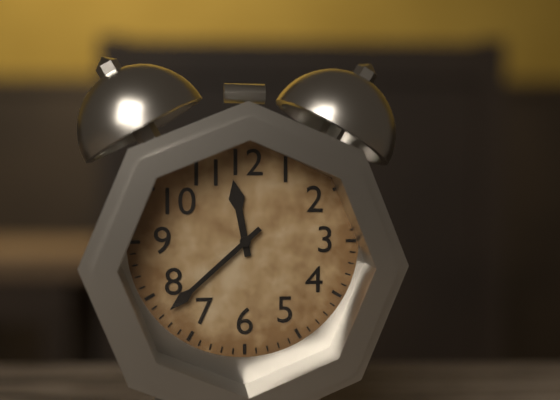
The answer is 11:38
